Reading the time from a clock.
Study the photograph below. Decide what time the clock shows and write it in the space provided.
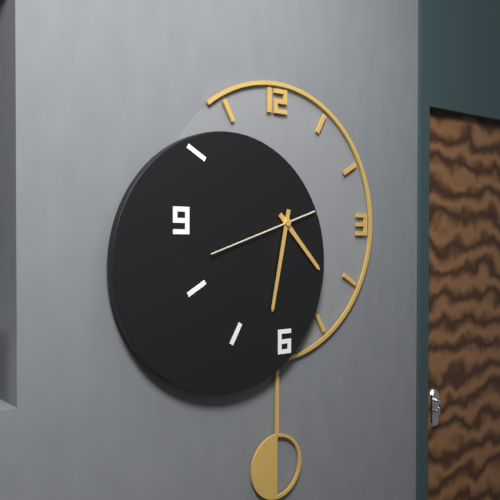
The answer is 4:32:42
